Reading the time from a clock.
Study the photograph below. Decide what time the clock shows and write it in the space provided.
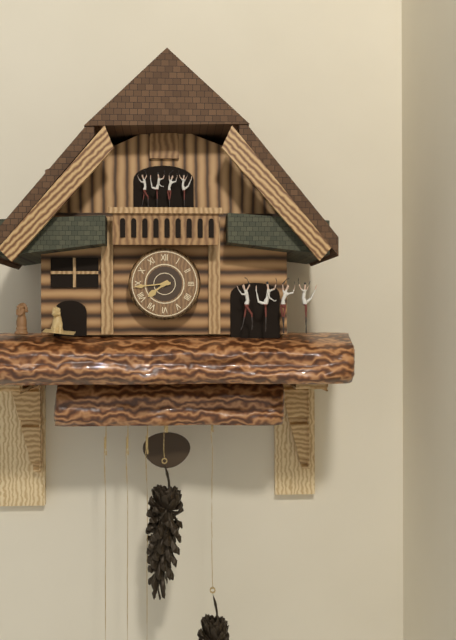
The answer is 7:44
